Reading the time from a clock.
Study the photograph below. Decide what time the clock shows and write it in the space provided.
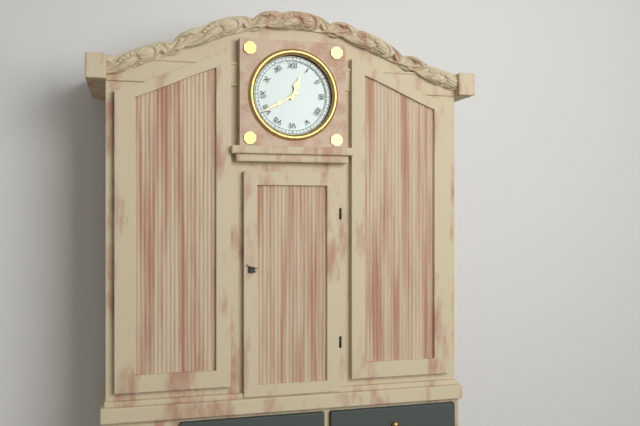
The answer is 12:40
